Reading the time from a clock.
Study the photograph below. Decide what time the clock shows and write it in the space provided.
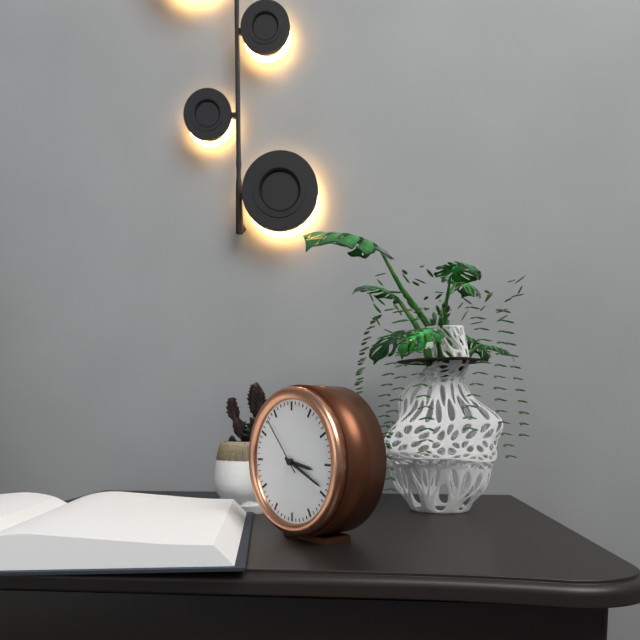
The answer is 3:19:53
